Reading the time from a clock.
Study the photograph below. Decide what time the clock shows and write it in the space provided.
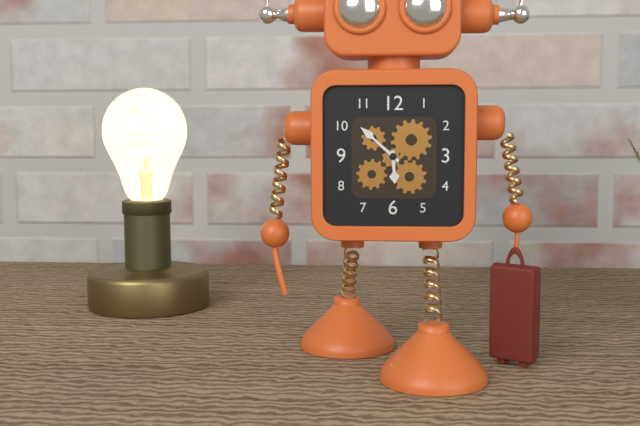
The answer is 5:52
